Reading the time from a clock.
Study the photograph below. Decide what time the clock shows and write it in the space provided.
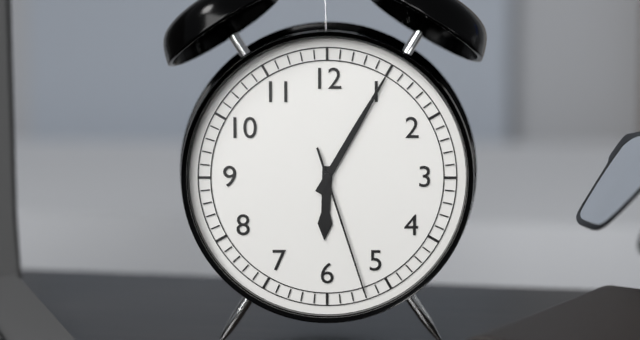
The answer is 6:05:27
